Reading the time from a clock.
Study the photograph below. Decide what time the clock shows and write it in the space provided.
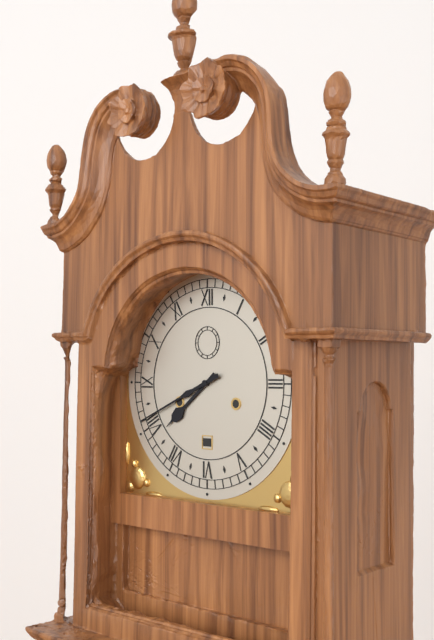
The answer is 7:41
